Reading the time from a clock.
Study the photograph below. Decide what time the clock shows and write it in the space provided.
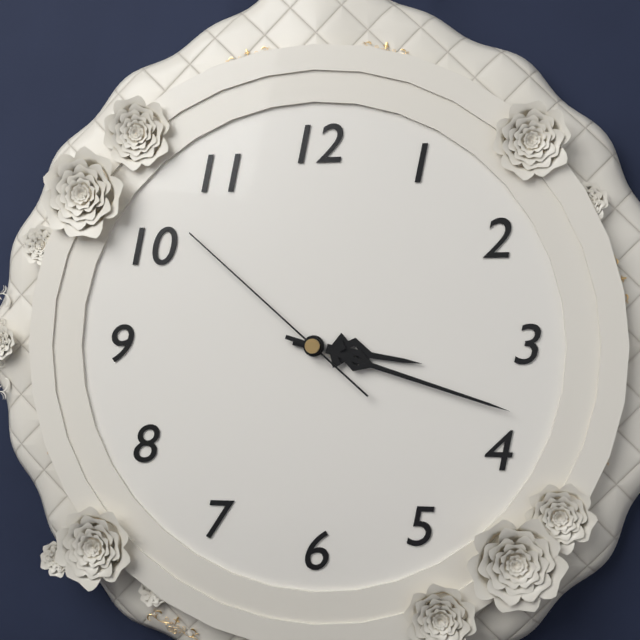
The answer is 3:18:52
